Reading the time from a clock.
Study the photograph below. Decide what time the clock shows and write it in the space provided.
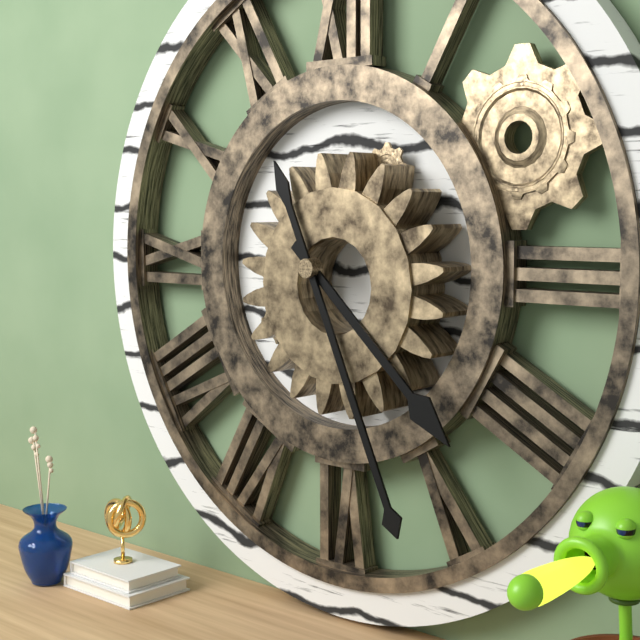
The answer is 4:26
